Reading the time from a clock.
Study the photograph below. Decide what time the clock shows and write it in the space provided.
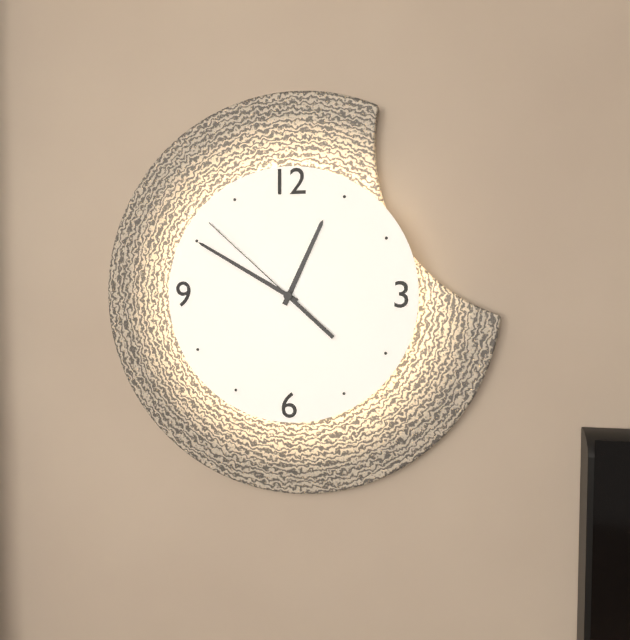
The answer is 12:50:52
